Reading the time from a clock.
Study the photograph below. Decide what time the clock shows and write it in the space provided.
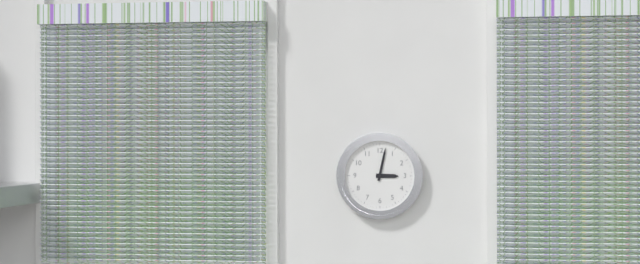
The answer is 3:02
